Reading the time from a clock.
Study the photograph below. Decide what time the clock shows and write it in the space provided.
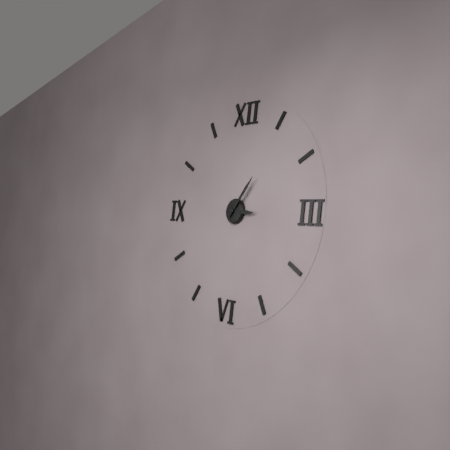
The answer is 3:06
